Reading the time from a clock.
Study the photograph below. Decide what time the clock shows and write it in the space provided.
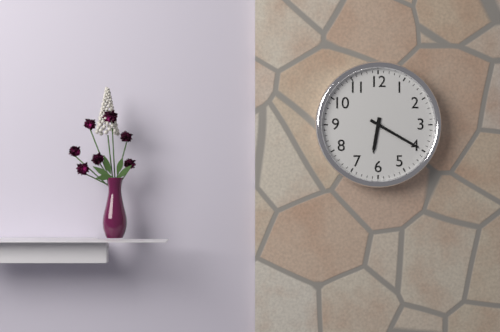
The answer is 6:20
